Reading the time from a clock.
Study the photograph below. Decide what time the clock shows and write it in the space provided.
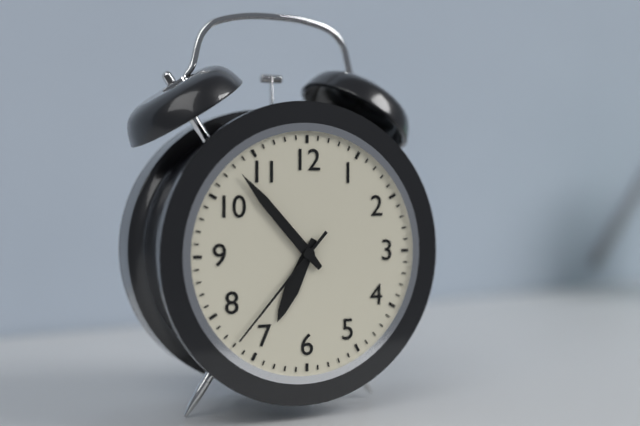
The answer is 6:53:37
